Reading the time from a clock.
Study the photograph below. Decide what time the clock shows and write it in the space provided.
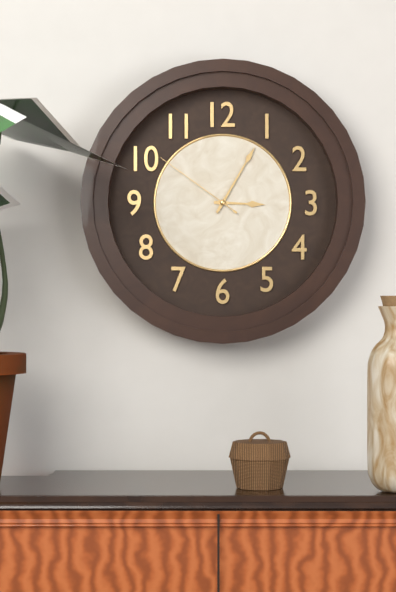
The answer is 3:05:51
